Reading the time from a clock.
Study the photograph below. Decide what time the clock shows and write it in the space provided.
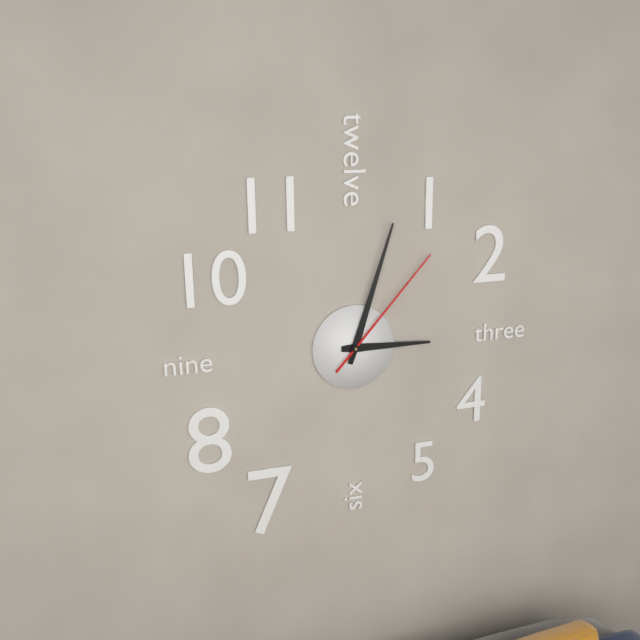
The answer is 3:03:07
